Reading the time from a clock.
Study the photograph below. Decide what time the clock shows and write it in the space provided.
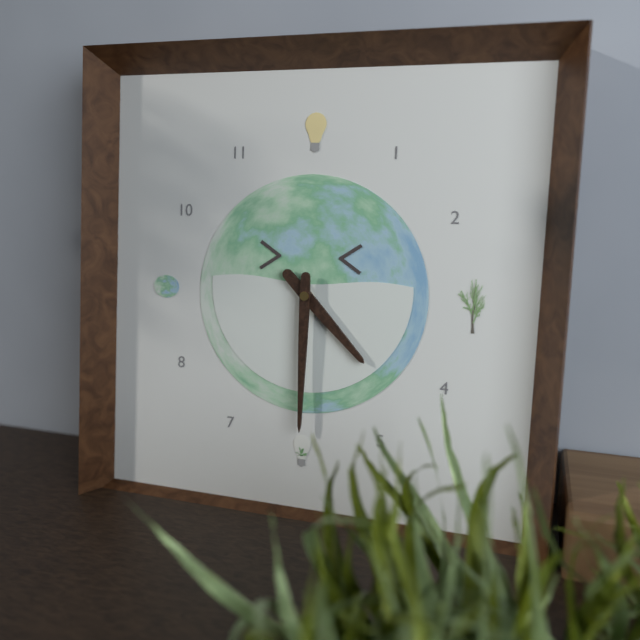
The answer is 4:30
